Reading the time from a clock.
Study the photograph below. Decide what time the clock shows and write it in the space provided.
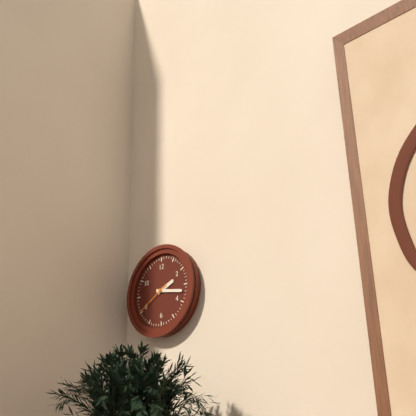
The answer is 2:17
